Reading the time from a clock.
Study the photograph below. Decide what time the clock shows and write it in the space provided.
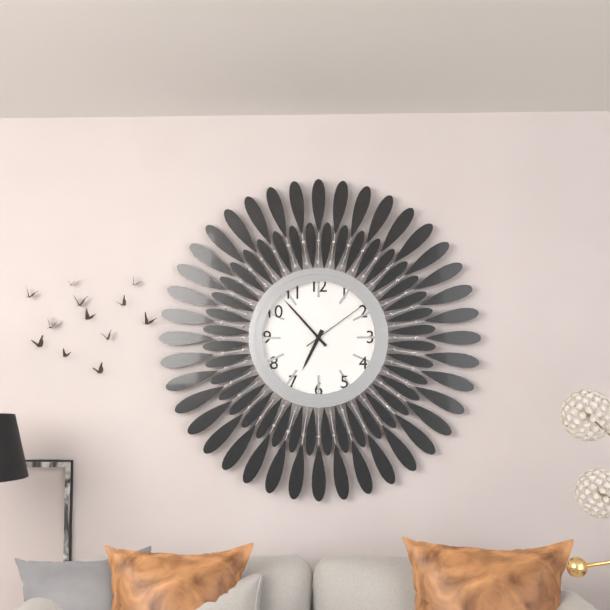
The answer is 6:53:09
